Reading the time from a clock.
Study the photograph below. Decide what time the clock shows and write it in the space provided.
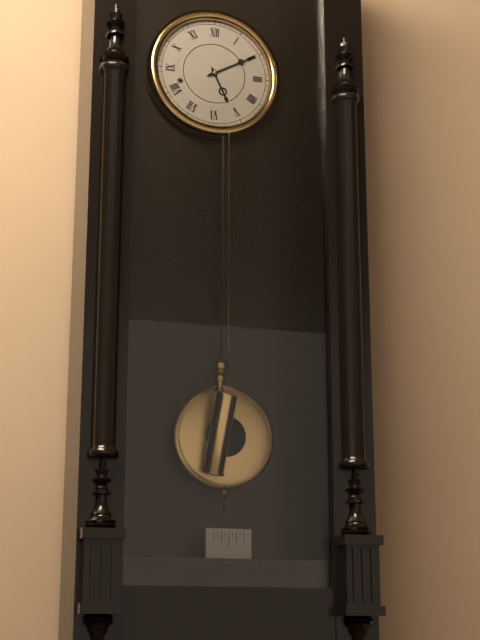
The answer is 5:10
